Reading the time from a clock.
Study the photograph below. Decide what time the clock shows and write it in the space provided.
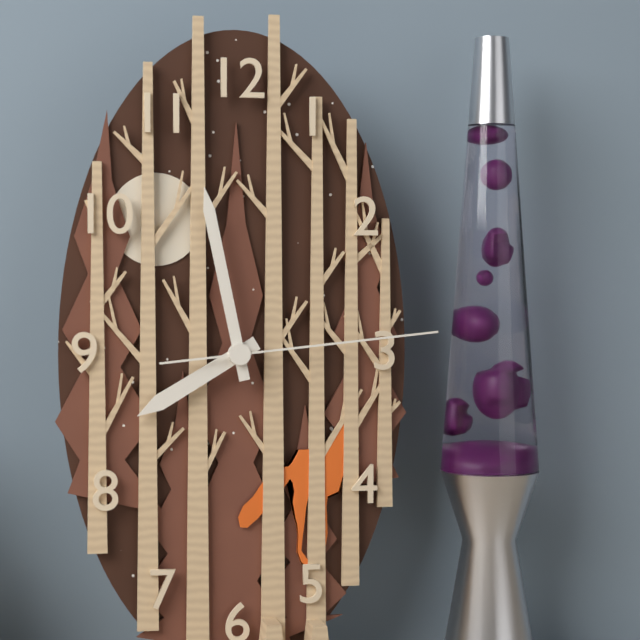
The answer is 7:58:14
